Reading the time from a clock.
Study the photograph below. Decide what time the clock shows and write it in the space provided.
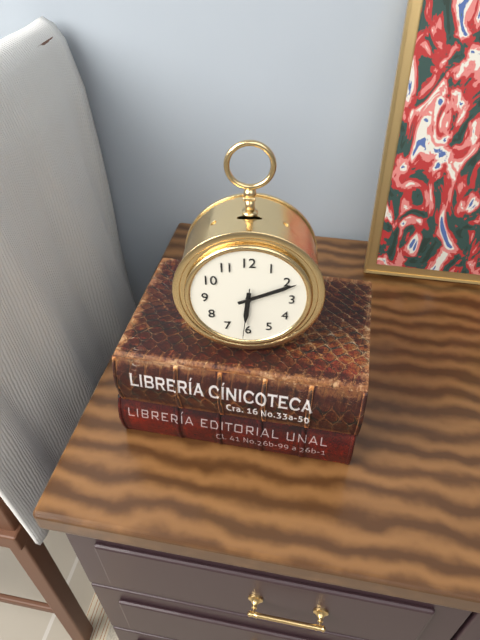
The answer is 6:11
